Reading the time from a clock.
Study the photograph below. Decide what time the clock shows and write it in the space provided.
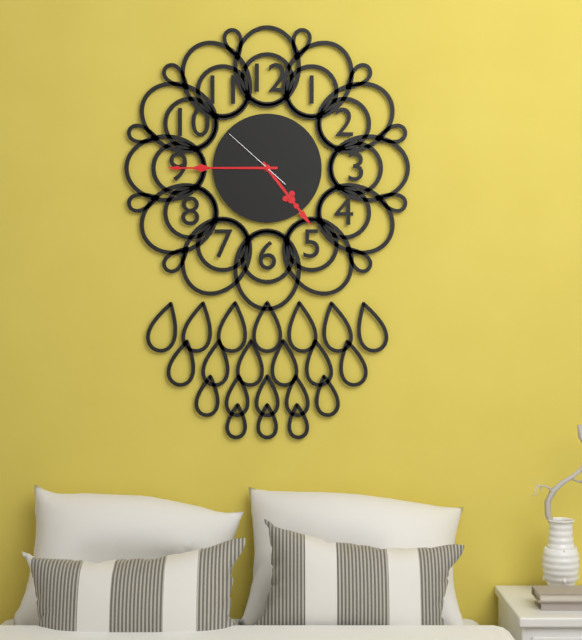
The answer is 4:45:52
